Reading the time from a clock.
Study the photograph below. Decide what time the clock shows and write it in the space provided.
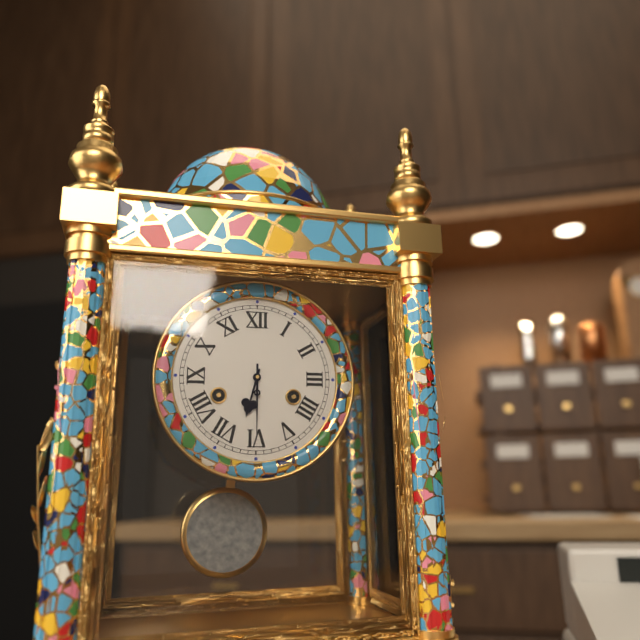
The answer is 6:30
